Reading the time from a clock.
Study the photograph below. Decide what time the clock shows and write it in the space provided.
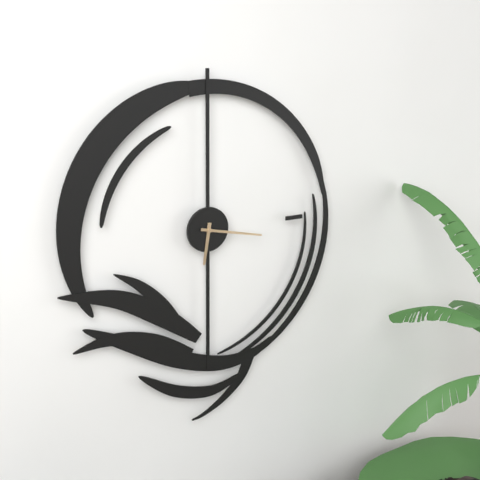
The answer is 6:17
